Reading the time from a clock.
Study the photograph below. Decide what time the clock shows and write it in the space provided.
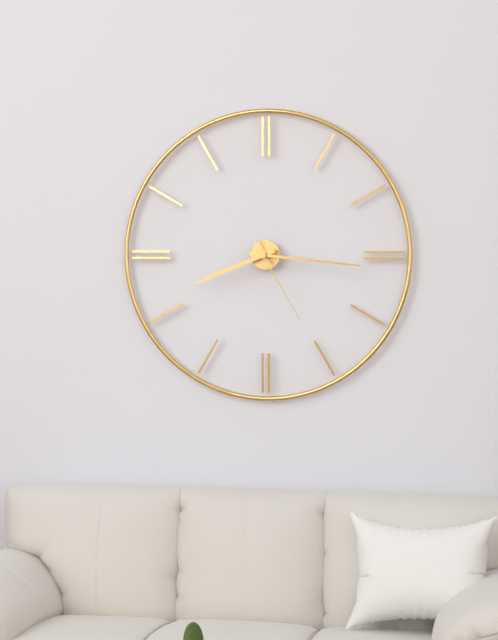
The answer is 8:16:25
